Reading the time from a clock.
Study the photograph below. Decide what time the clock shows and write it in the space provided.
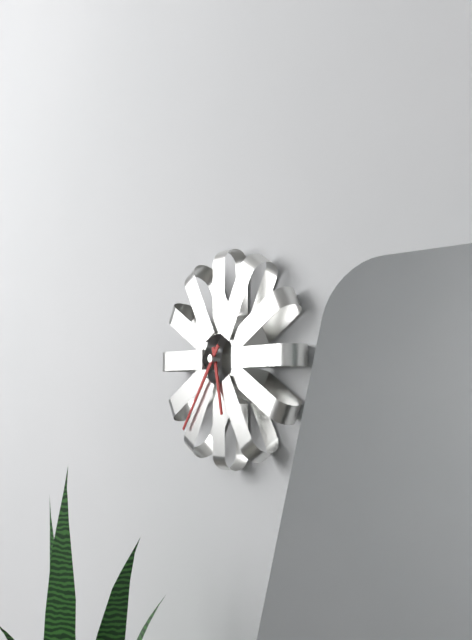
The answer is 5:36
